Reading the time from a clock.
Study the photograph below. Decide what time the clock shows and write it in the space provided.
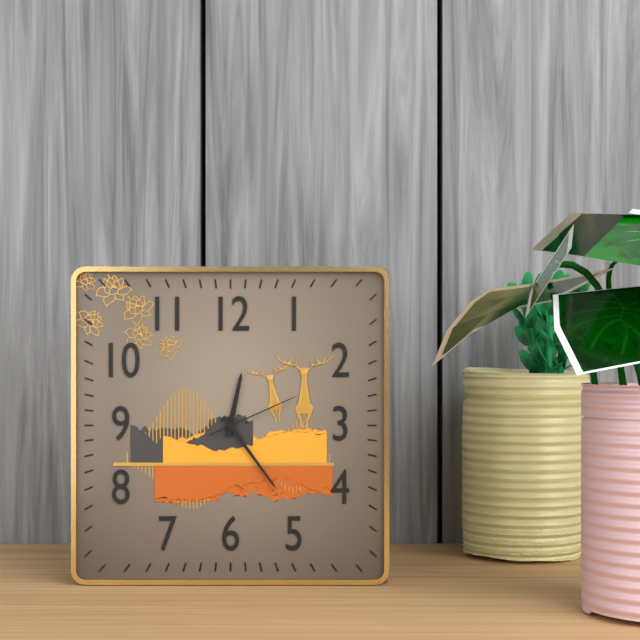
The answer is 12:24:11
